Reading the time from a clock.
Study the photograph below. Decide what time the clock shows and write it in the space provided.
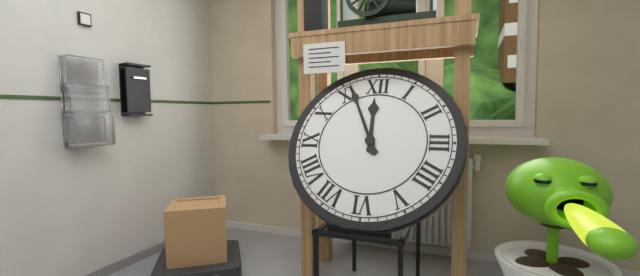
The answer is 11:56
